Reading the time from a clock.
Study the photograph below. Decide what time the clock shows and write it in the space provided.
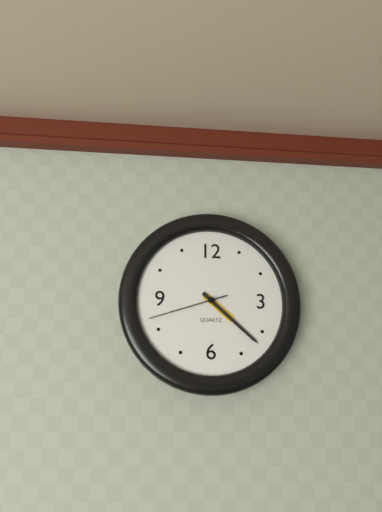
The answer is 4:22:42
